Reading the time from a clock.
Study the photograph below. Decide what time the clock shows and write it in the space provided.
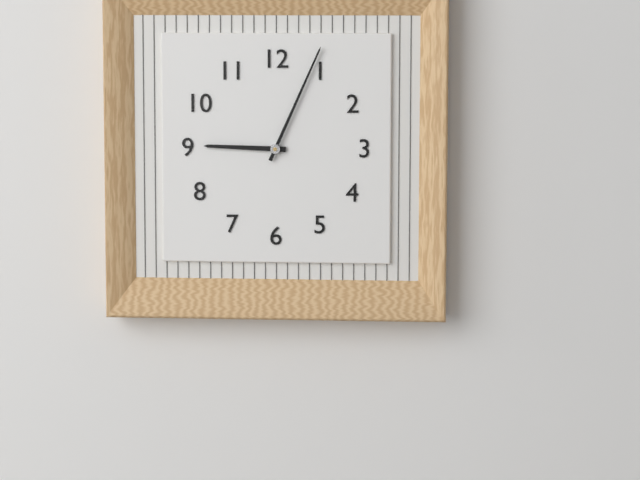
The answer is 9:04
